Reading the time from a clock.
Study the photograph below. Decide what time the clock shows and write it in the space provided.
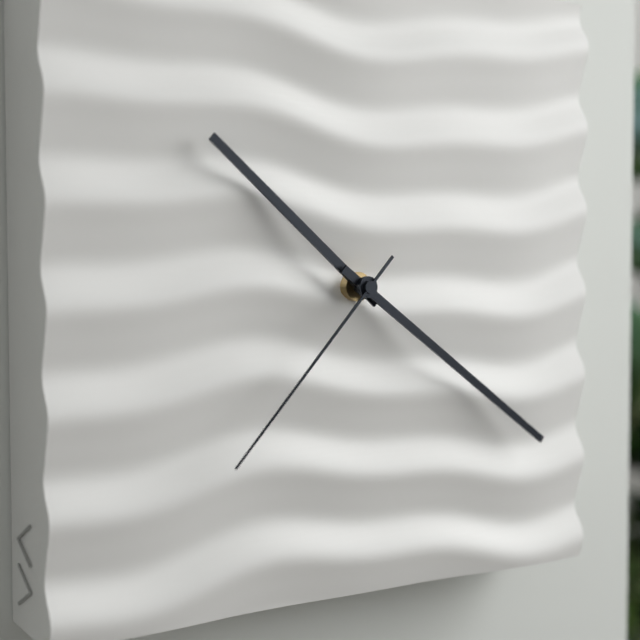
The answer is 10:21:37
